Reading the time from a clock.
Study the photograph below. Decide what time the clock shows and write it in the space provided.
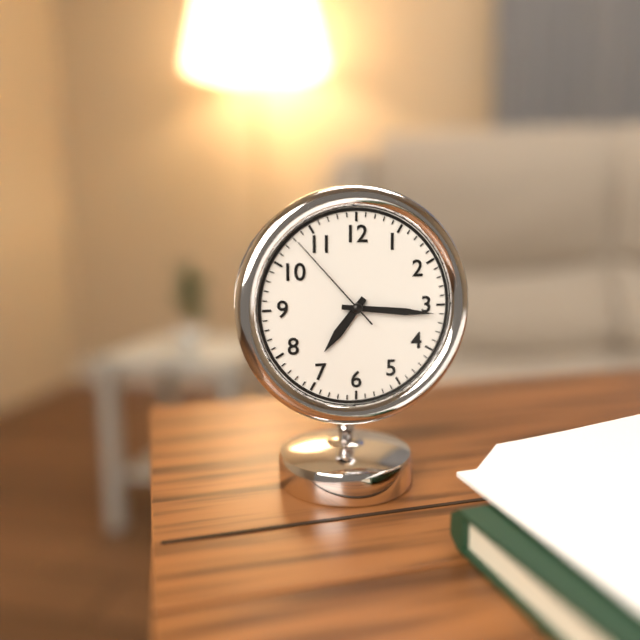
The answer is 7:16:53
